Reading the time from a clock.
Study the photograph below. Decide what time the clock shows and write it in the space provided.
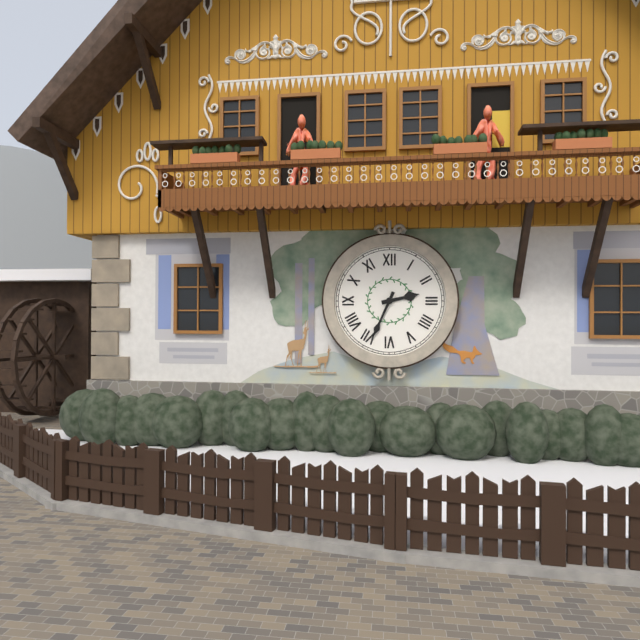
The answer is 2:34
